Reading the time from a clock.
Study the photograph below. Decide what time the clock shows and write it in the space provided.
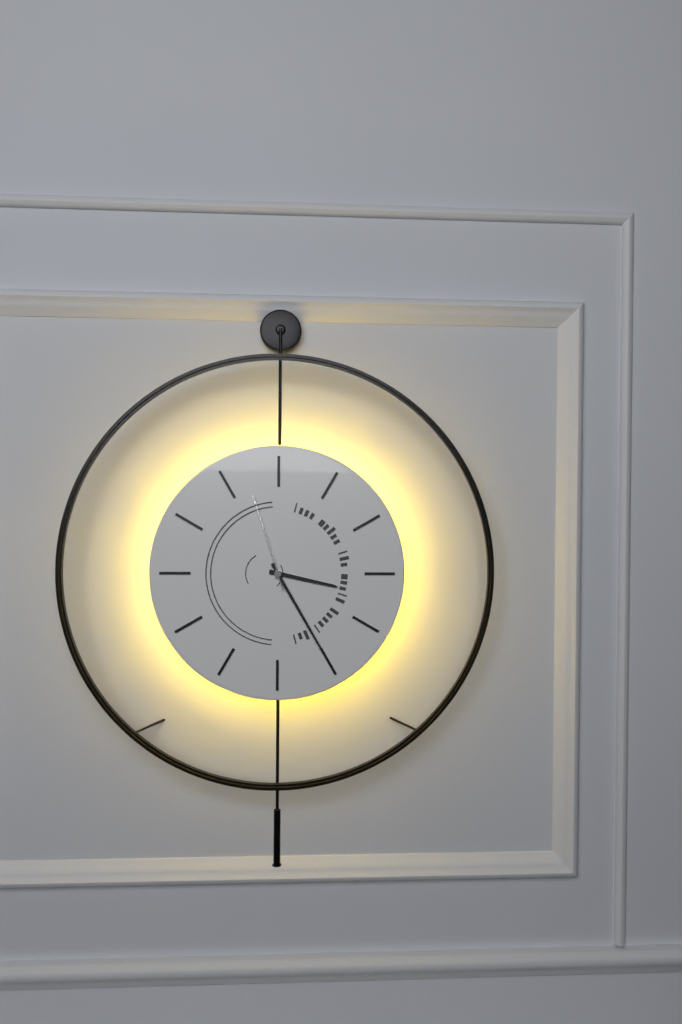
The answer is 3:25:57
